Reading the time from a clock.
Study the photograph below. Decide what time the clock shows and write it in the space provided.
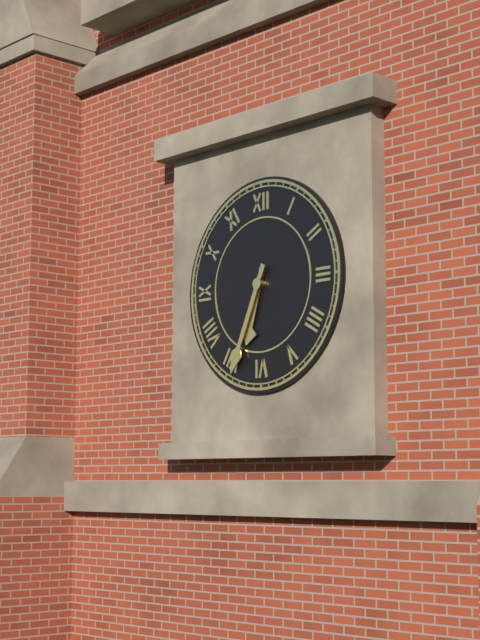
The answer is 6:34
